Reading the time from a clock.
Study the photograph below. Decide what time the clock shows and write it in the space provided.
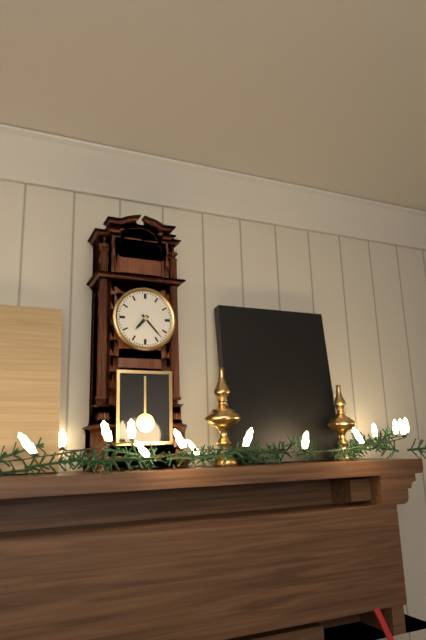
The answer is 7:23
